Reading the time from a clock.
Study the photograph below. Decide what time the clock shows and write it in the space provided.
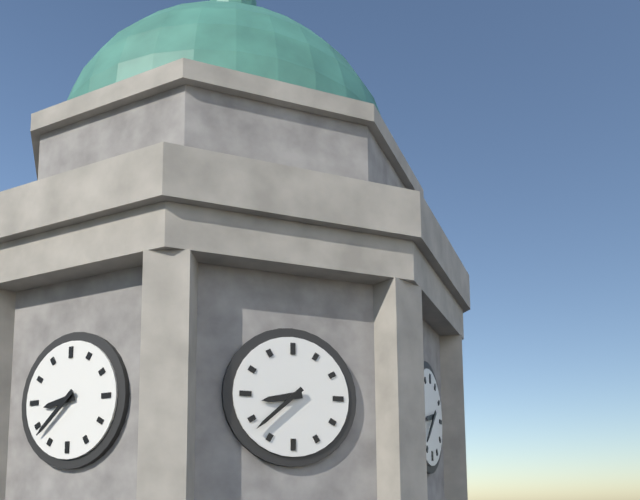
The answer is 8:38
